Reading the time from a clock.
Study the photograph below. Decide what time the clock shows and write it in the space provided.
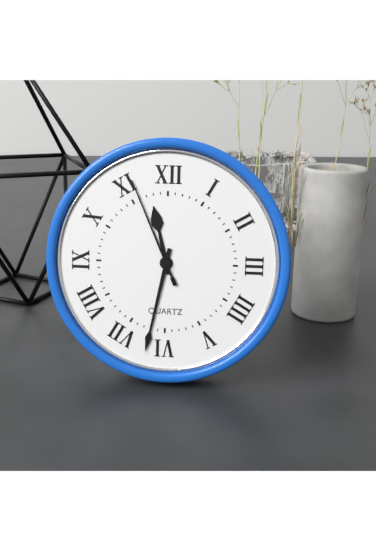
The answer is 11:32:56
